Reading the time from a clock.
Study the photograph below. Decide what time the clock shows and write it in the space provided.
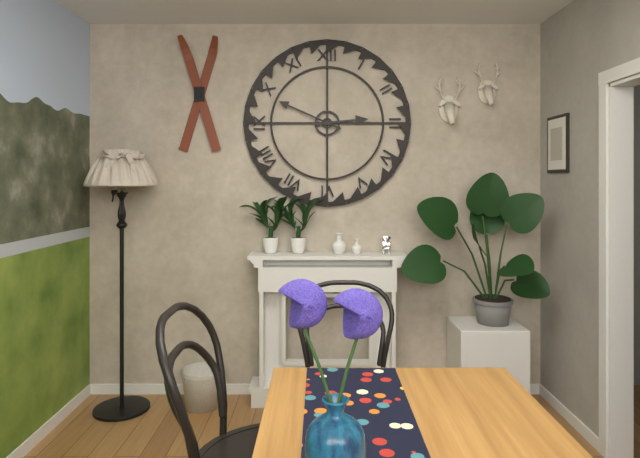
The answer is 2:49
